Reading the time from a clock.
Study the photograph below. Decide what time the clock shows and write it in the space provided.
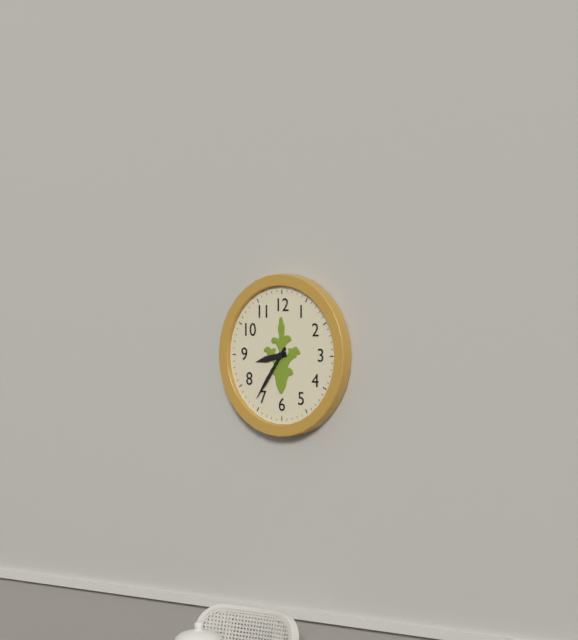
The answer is 8:36
